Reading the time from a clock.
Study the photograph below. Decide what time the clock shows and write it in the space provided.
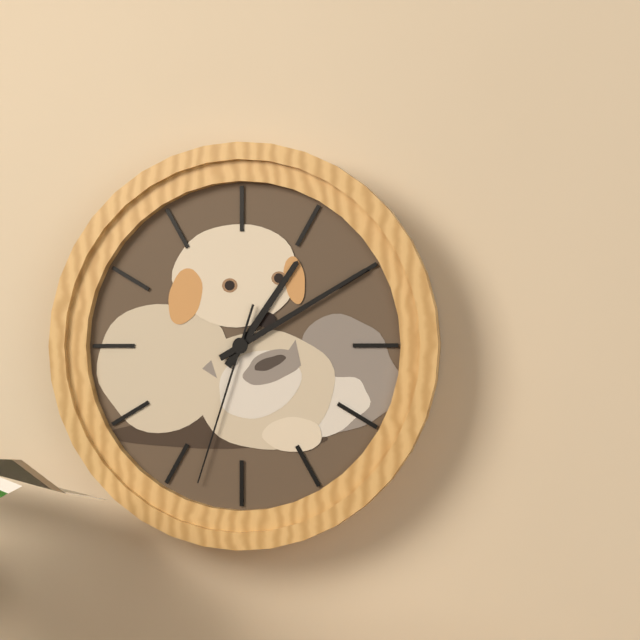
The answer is 1:10:33
